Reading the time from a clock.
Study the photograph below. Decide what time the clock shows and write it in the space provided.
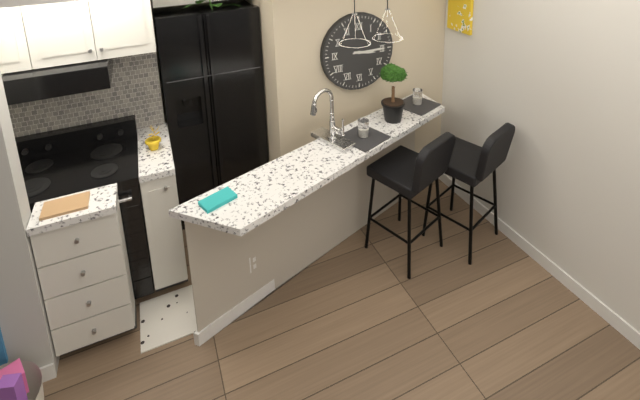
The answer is 3:15
